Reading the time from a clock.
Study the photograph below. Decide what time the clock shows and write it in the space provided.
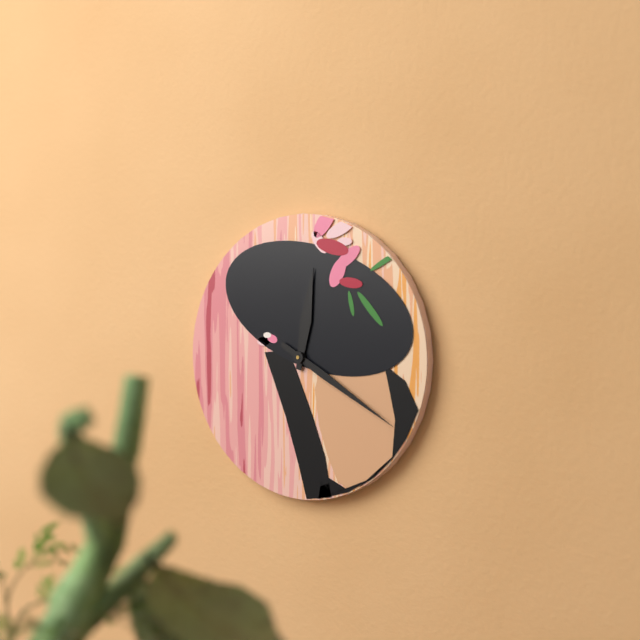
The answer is 12:20
